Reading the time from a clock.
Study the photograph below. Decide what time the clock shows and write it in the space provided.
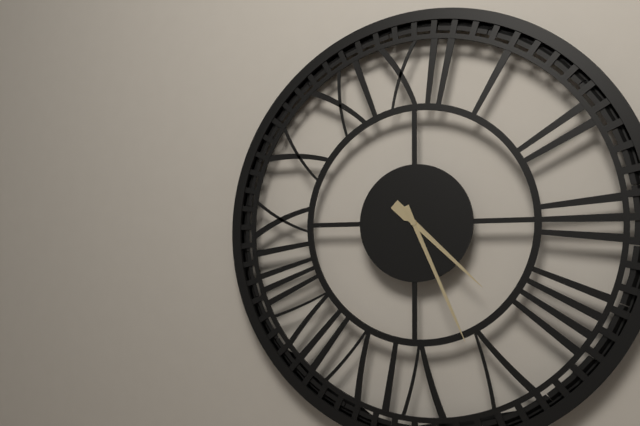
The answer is 4:26
